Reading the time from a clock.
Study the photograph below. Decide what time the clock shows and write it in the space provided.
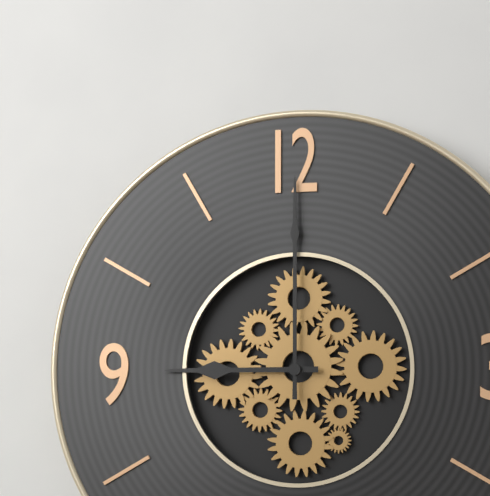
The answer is 9:00
